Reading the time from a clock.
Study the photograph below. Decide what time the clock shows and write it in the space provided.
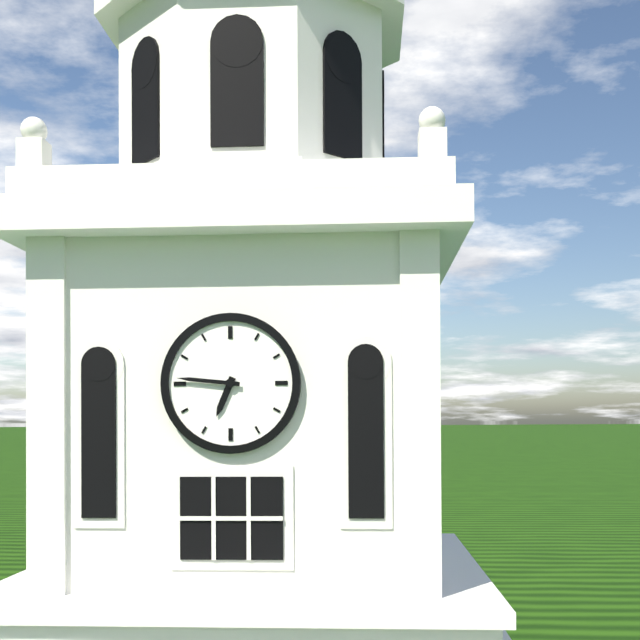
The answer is 6:46
